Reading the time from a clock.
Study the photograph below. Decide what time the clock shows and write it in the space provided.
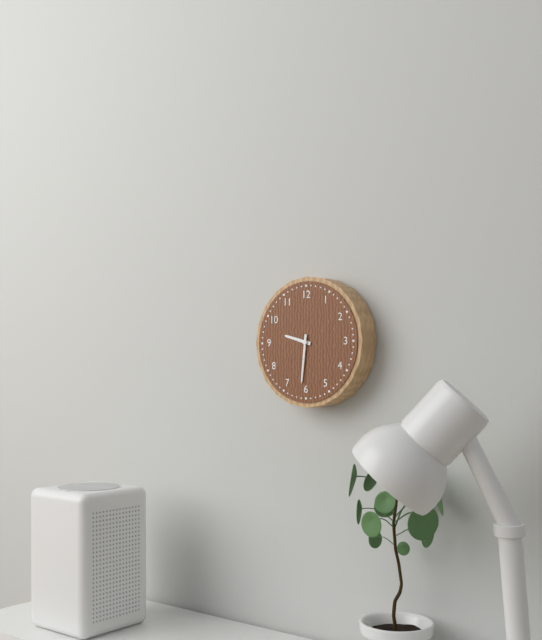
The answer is 9:31
